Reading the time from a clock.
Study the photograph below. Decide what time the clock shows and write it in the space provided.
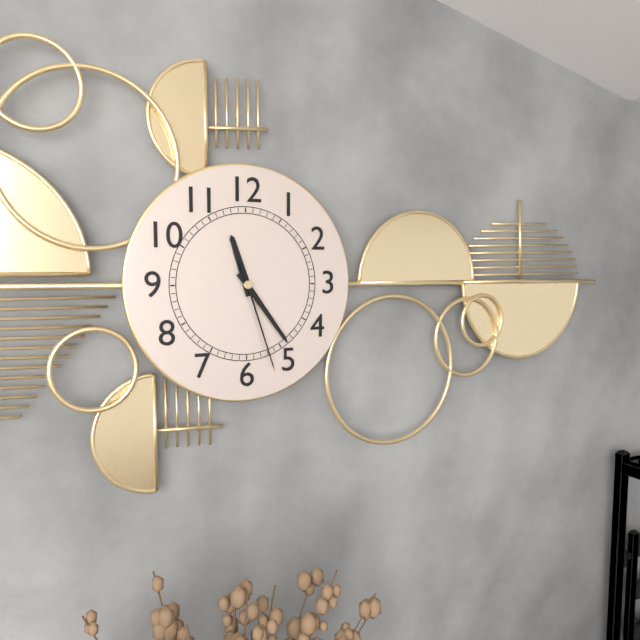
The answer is 11:24:27
